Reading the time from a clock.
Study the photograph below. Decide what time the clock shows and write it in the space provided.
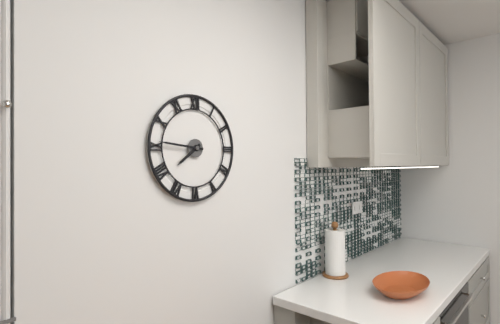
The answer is 7:46
